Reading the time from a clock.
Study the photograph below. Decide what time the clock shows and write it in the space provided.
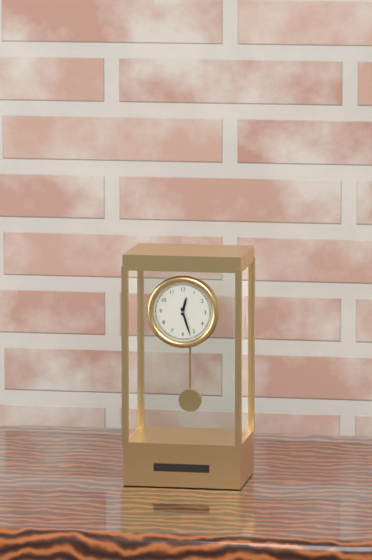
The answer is 12:27
